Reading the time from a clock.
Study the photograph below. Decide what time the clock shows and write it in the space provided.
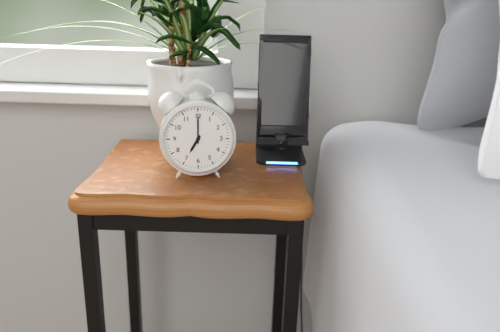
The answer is 7:00
